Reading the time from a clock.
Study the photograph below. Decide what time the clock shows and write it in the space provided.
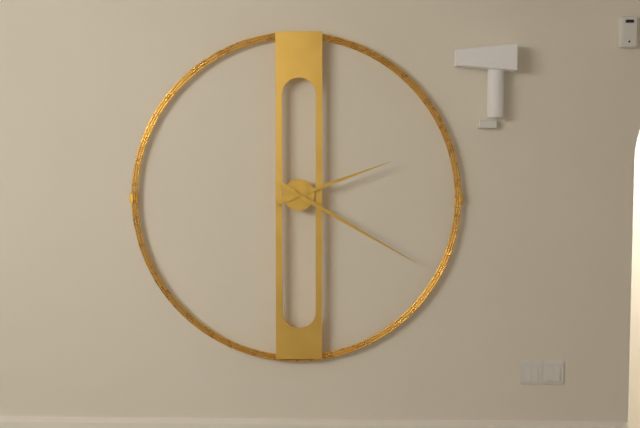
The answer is 2:20
